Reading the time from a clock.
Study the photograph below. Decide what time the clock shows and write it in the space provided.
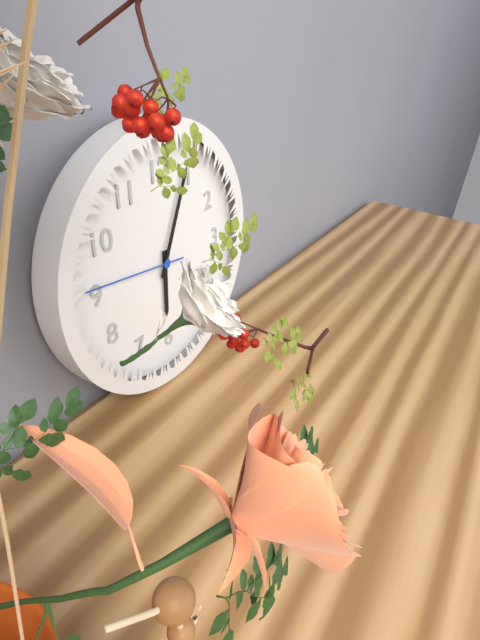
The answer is 6:04:46
